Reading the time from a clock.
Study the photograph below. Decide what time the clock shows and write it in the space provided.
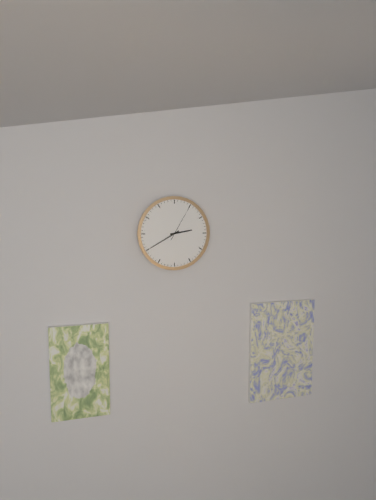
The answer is 2:40
